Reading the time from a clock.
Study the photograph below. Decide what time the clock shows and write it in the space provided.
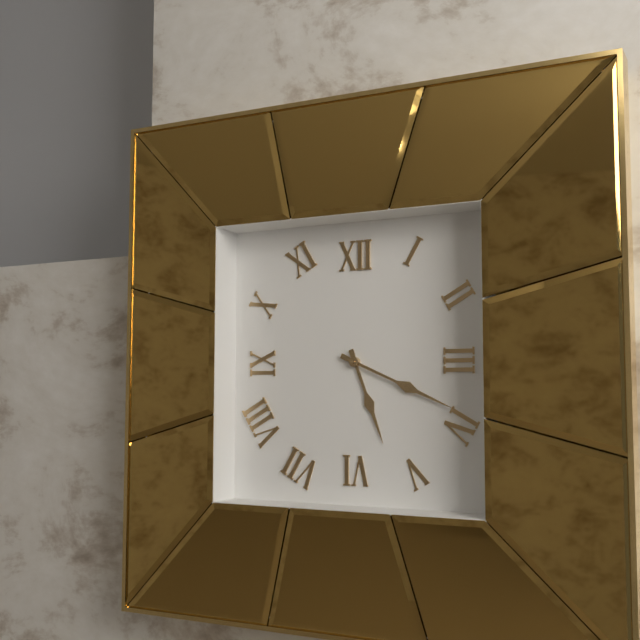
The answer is 5:19
